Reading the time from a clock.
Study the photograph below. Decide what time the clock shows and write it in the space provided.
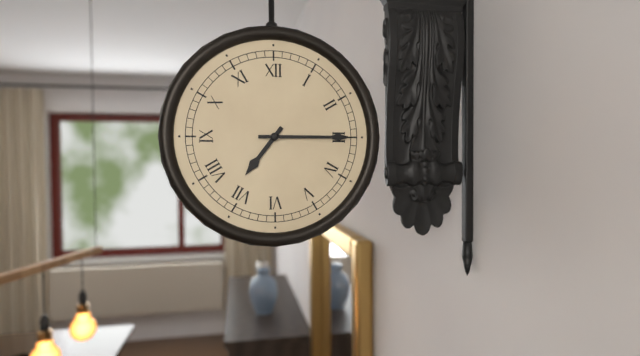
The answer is 7:15
